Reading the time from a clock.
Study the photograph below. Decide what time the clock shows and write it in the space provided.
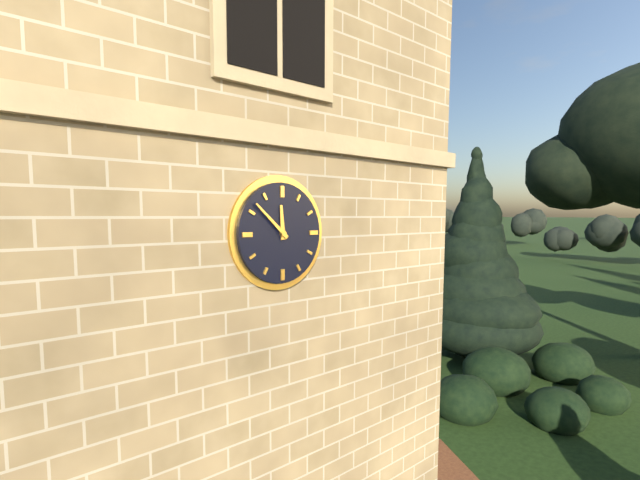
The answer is 11:52
